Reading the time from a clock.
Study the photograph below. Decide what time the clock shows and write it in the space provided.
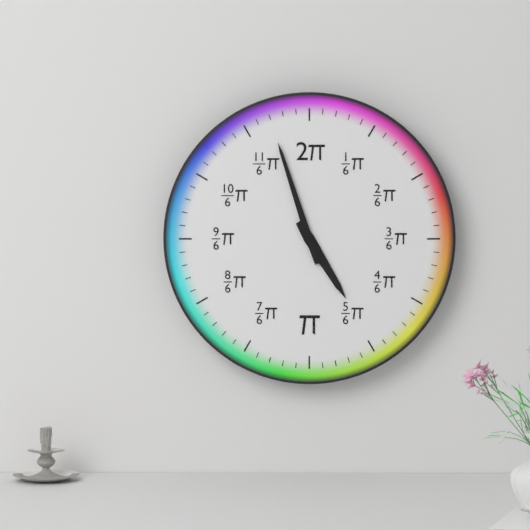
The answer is 4:57
